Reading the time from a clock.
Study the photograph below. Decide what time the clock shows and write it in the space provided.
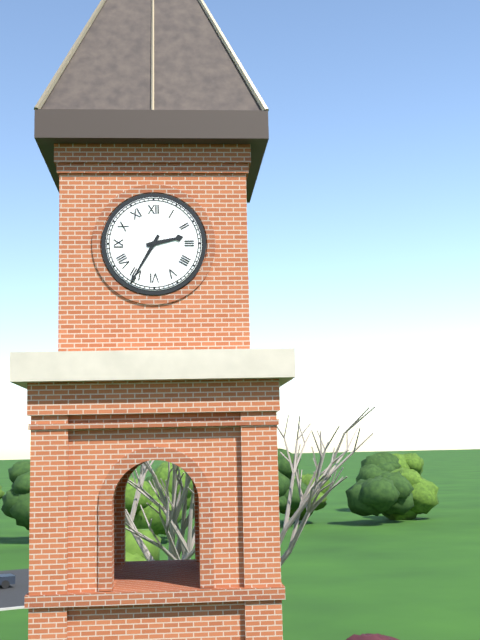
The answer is 2:35
